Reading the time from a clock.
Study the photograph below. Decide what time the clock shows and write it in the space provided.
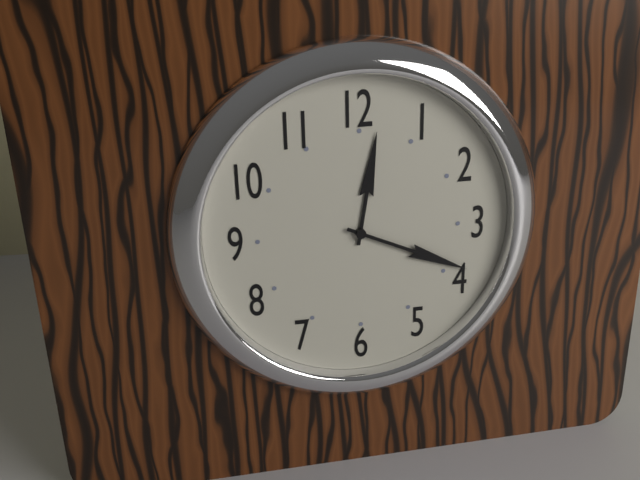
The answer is 12:19
